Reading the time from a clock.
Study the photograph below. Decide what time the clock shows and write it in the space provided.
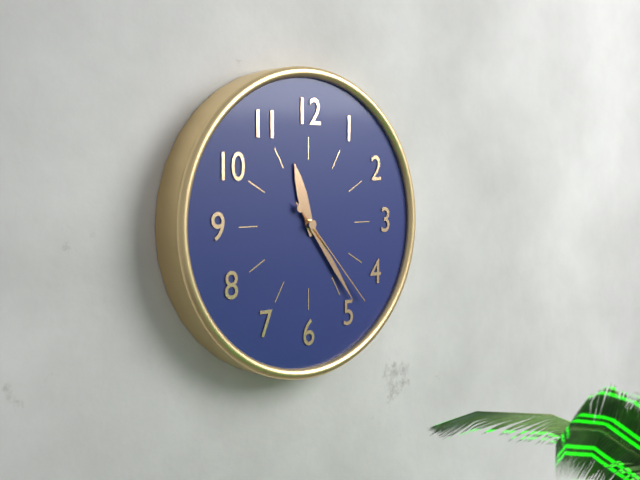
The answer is 11:24:23
